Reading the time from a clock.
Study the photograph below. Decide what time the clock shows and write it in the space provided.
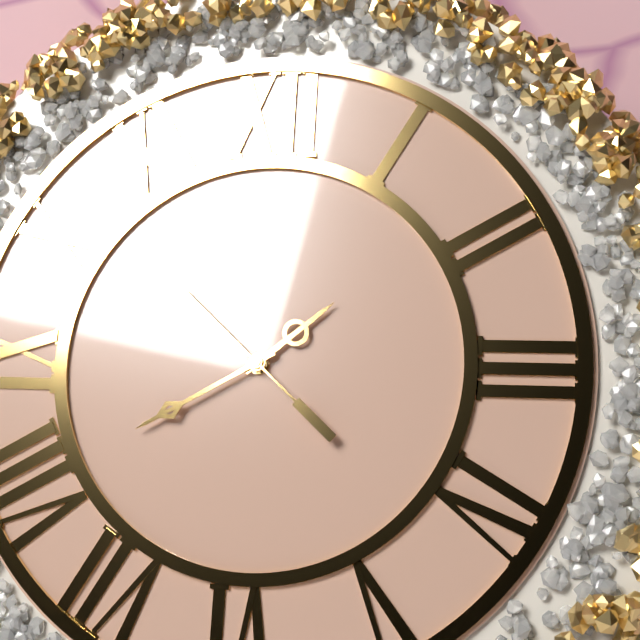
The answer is 1:40:52
